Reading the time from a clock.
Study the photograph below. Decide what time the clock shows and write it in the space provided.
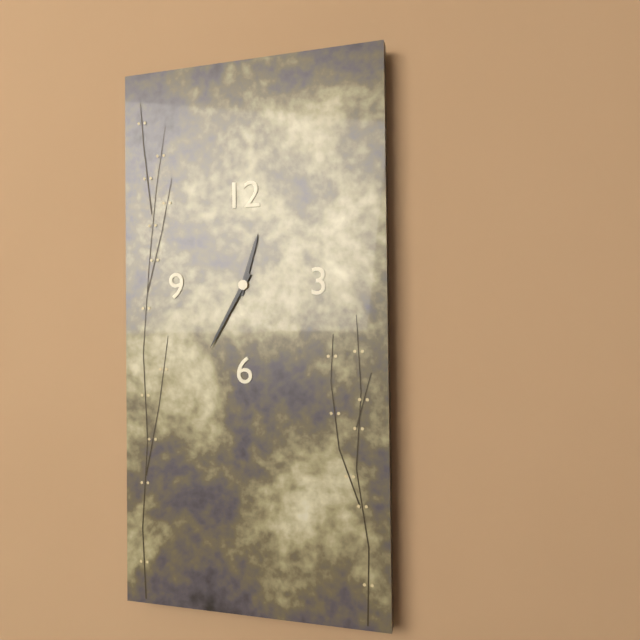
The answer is 12:35
